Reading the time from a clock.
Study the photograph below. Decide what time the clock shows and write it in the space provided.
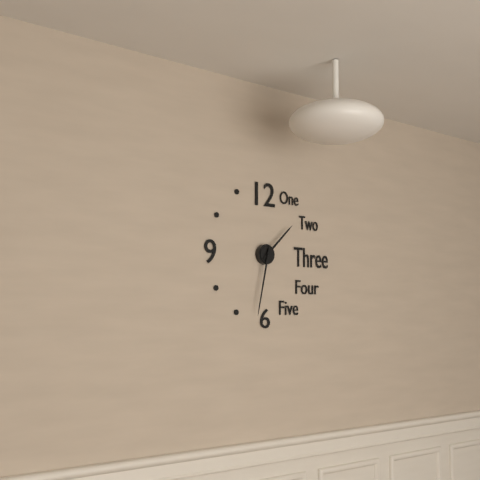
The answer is 1:32
